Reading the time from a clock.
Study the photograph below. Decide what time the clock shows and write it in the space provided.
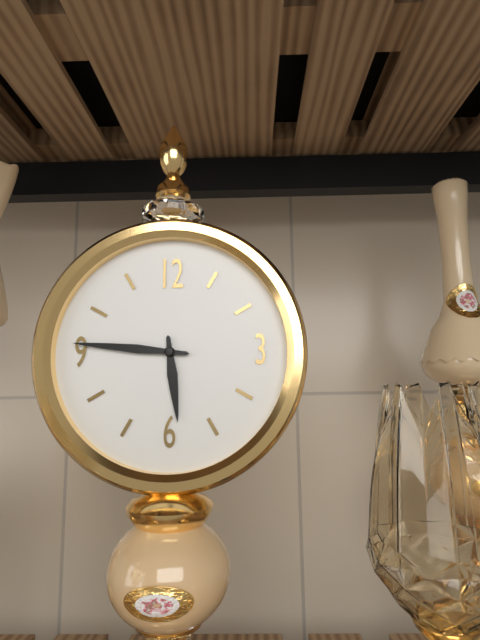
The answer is 5:46
